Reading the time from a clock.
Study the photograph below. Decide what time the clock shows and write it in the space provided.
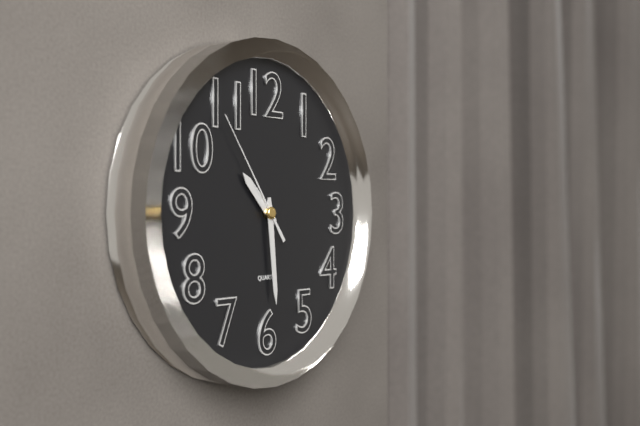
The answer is 10:29:54
